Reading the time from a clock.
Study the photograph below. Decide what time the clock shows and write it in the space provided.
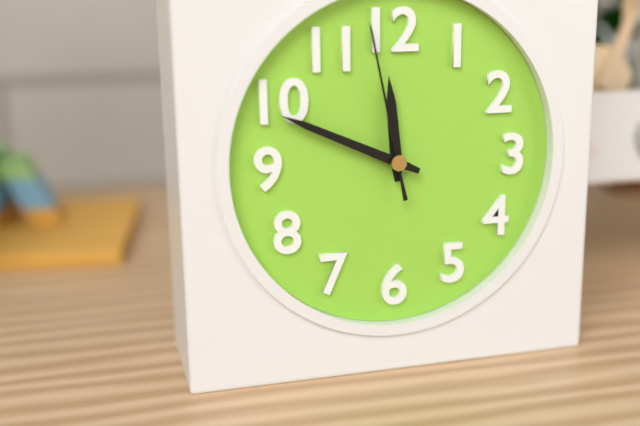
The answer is 11:49:58
